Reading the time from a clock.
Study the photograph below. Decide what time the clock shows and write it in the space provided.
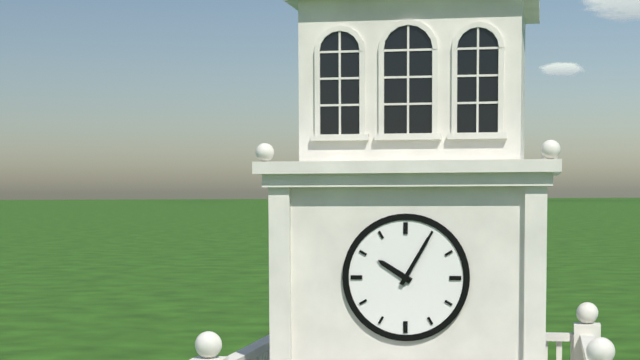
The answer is 10:05
